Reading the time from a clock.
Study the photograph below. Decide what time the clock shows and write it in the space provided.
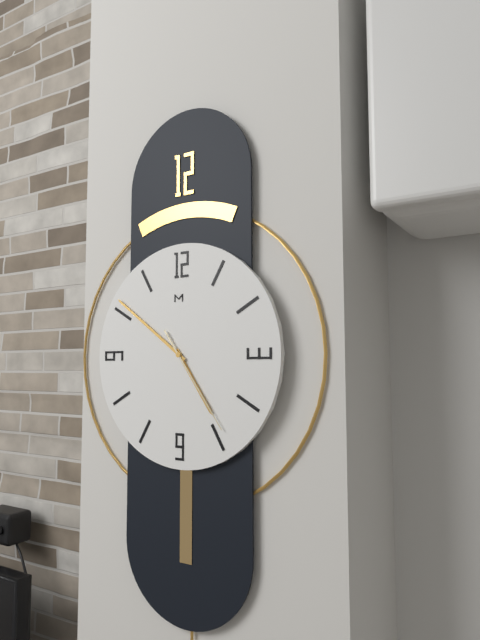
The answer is 4:51:24
